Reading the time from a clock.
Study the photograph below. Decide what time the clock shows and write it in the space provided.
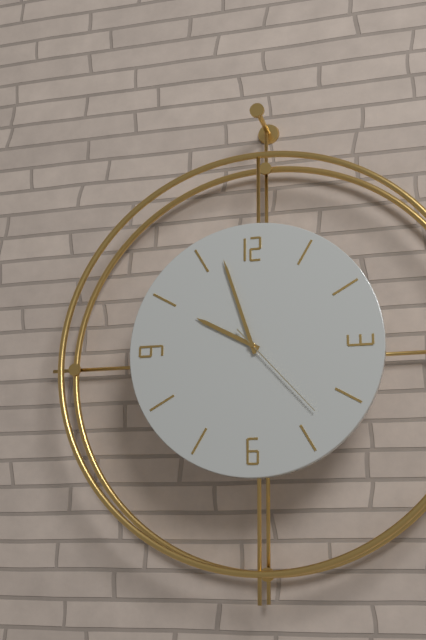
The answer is 9:57:23
